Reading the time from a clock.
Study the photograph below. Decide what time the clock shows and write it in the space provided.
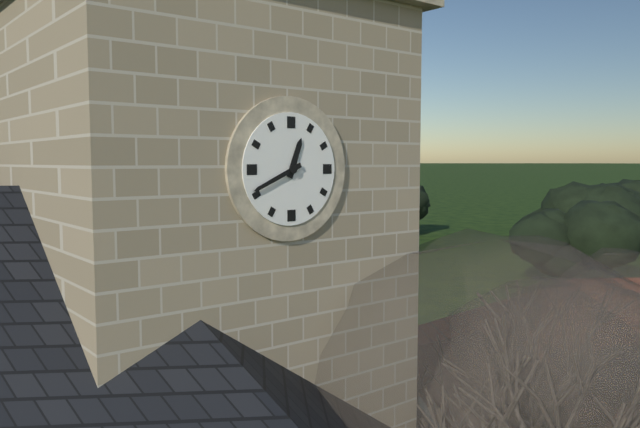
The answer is 12:41
